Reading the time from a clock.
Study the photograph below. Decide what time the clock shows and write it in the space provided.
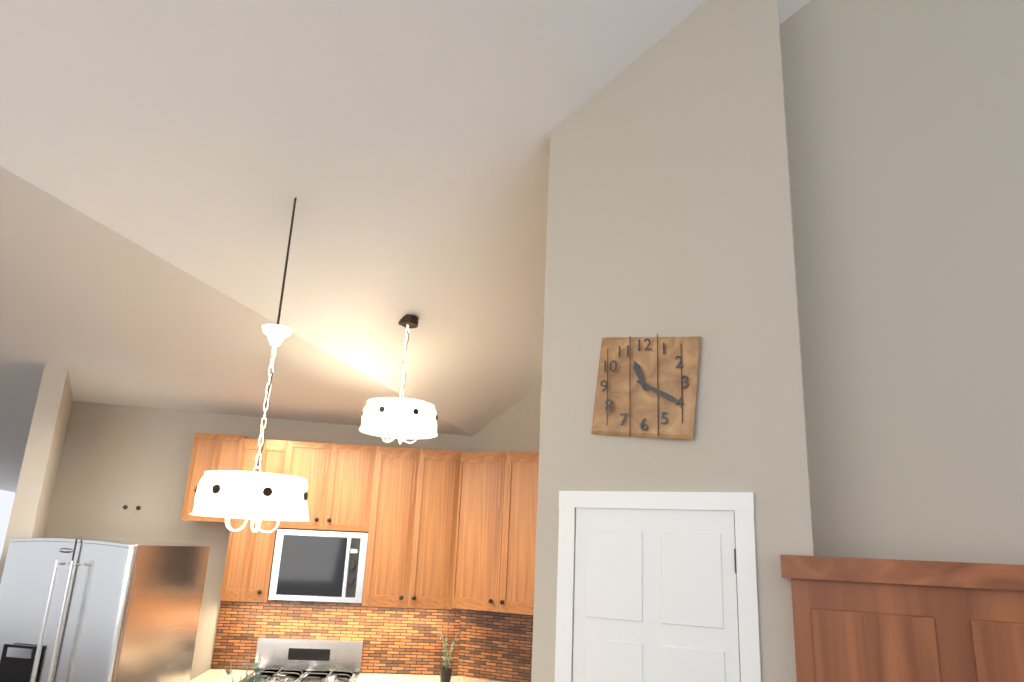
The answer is 11:20
